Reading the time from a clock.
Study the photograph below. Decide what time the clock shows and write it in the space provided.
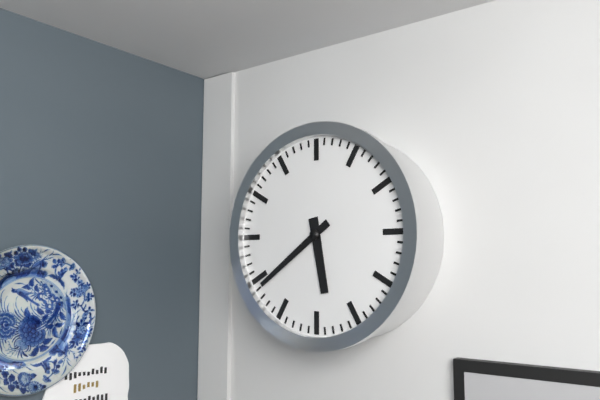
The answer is 5:39
